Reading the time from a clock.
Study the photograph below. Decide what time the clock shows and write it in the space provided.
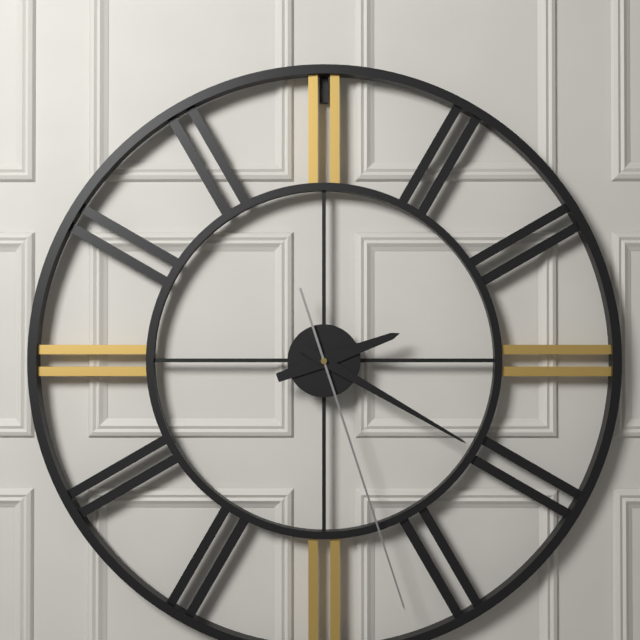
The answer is 2:20:27
